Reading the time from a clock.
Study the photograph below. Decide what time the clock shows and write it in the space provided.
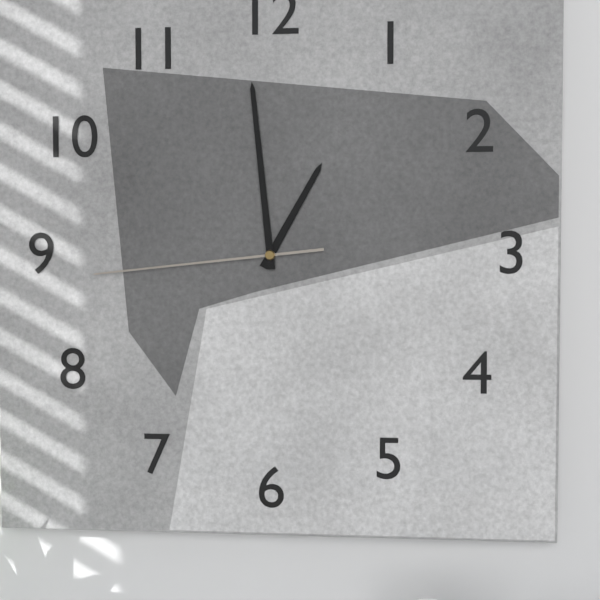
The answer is 12:59:44
